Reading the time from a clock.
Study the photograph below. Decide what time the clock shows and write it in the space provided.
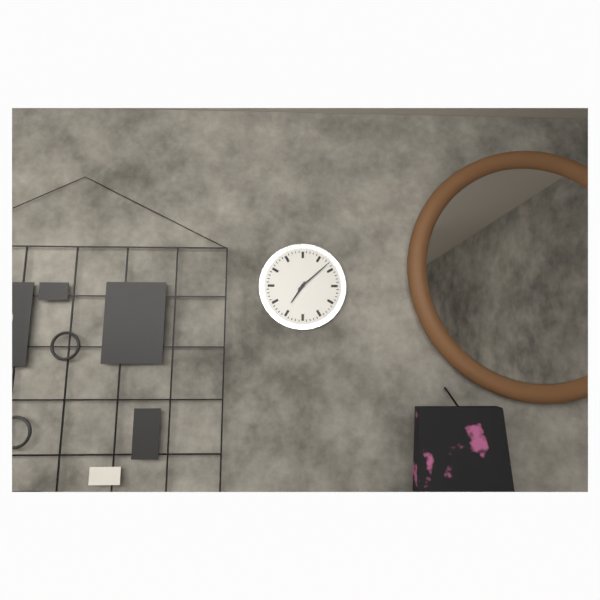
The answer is 7:08
